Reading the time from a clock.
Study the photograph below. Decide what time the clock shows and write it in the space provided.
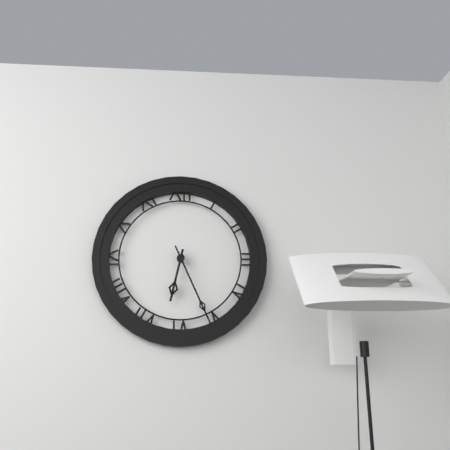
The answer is 6:26
